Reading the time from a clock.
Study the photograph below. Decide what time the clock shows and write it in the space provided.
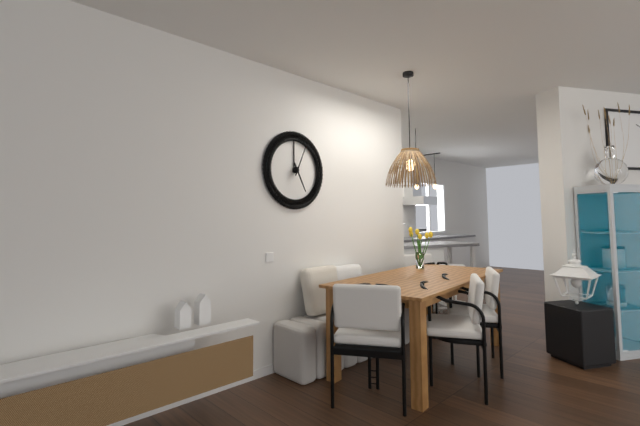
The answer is 5:04
